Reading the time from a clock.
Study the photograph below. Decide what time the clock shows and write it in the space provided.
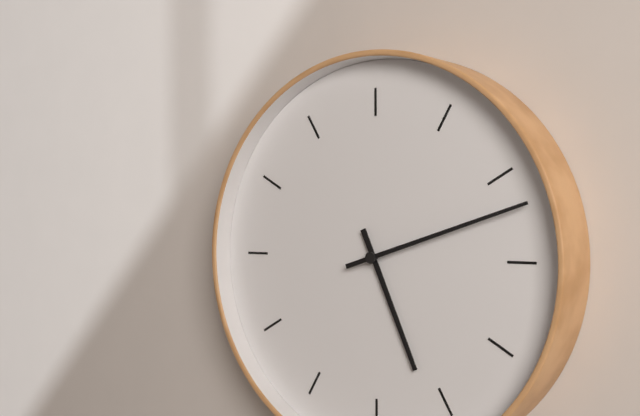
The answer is 5:12
